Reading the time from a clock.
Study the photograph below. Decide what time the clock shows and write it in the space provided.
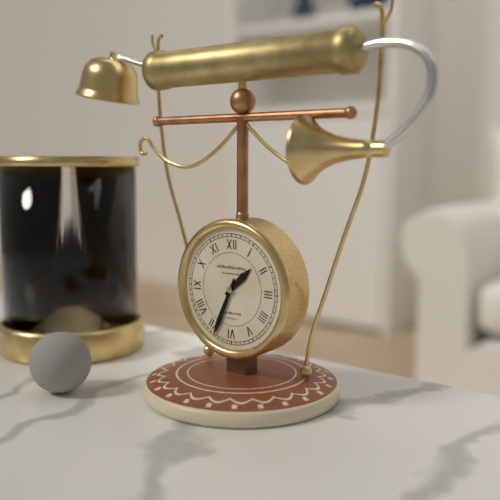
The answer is 1:34
